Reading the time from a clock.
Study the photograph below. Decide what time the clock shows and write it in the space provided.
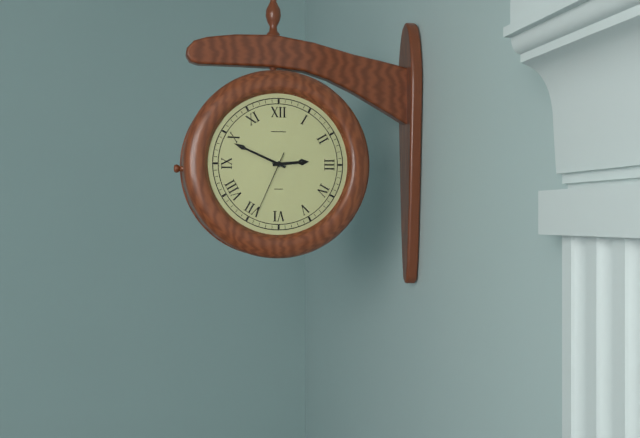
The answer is 2:49:34
